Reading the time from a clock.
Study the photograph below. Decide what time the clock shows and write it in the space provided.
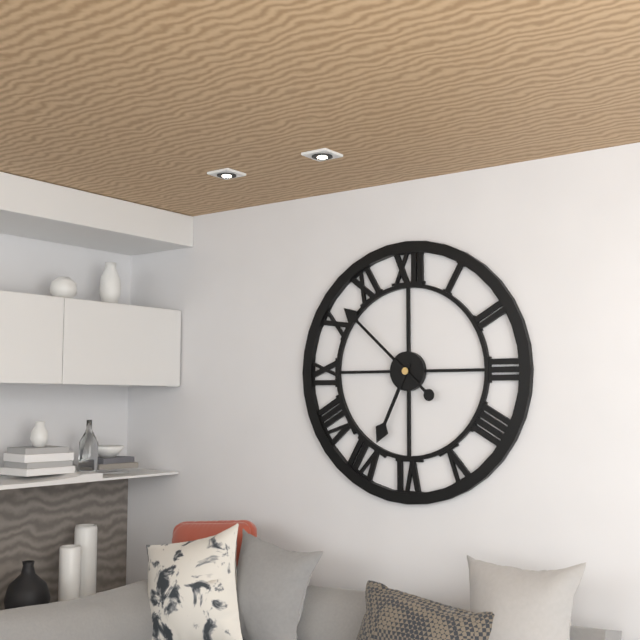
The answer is 6:52
